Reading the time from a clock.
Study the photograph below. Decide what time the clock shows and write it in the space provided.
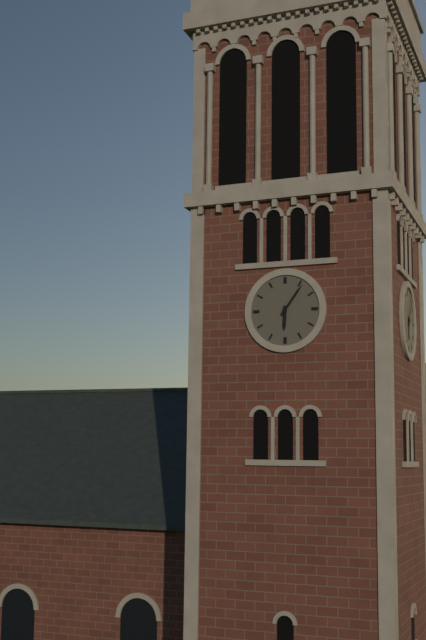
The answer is 6:06
